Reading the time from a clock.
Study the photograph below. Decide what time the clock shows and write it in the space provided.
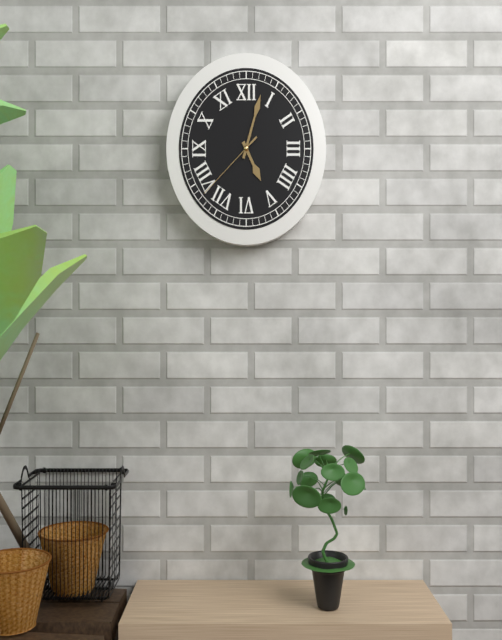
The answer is 5:03:38
